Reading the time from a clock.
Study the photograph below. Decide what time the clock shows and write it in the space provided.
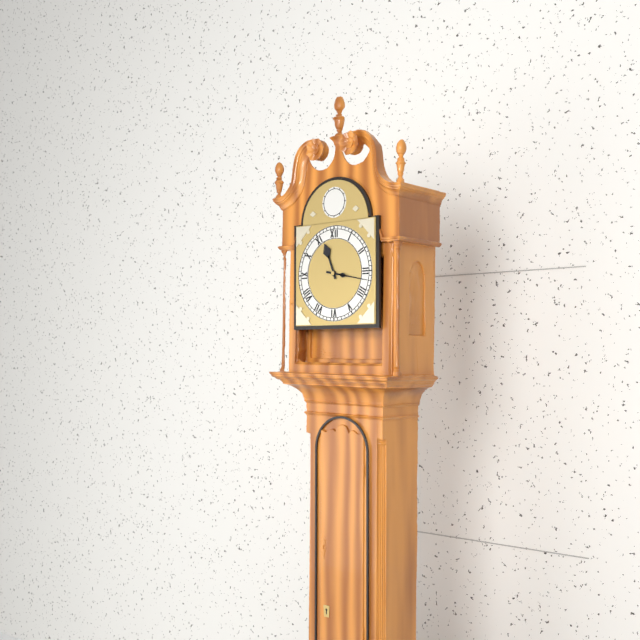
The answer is 11:17
